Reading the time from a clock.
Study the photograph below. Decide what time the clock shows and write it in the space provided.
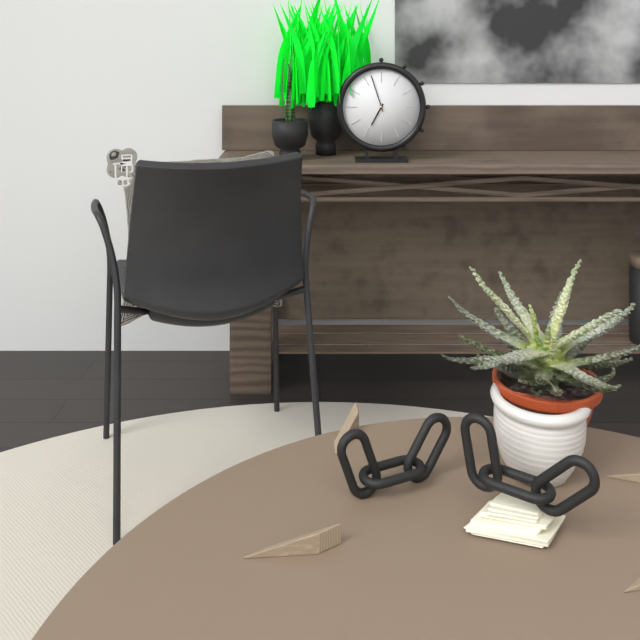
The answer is 6:57
